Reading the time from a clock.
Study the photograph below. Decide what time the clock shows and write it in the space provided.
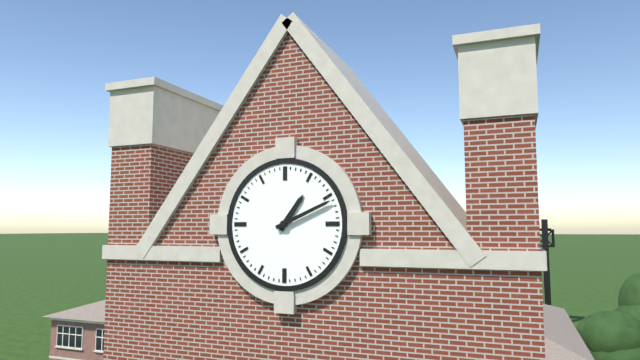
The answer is 1:11
